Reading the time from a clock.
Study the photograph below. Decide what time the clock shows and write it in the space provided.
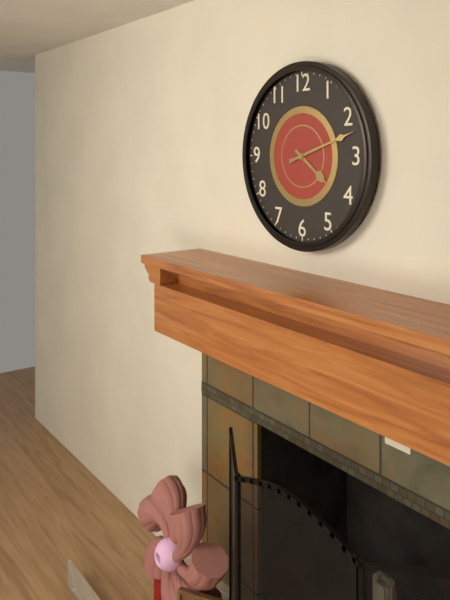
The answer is 4:12
